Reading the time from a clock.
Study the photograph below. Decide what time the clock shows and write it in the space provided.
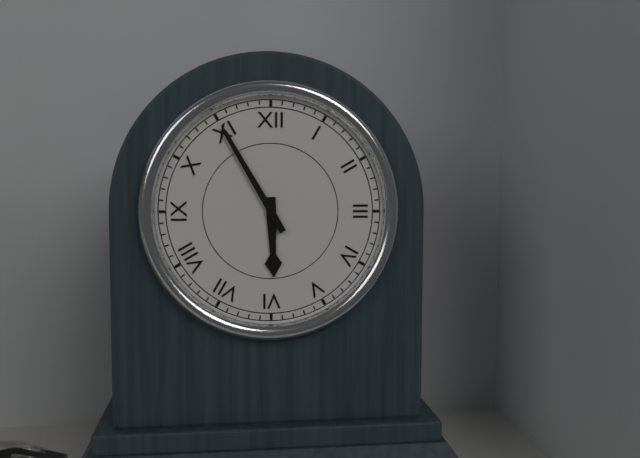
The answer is 5:55
